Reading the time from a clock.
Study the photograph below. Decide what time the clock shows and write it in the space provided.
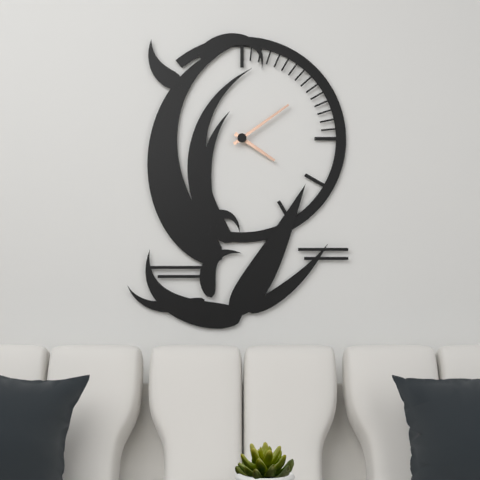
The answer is 4:09
